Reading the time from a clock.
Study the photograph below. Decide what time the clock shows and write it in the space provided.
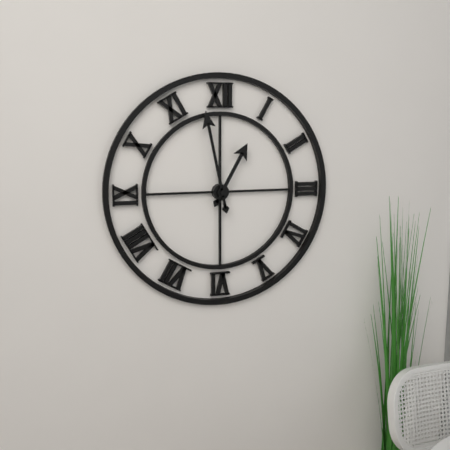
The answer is 12:58
